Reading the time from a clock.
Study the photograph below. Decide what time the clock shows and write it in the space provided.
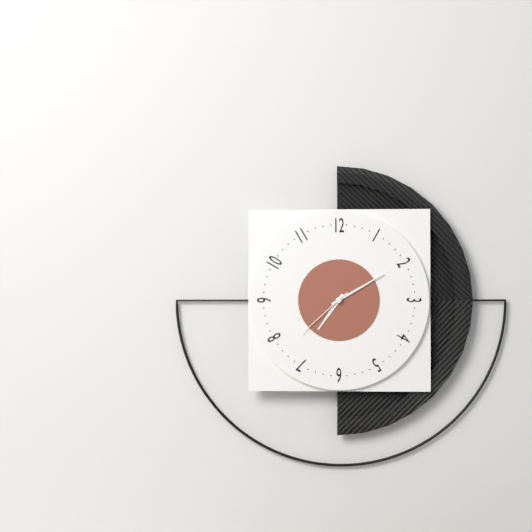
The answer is 7:10:38
